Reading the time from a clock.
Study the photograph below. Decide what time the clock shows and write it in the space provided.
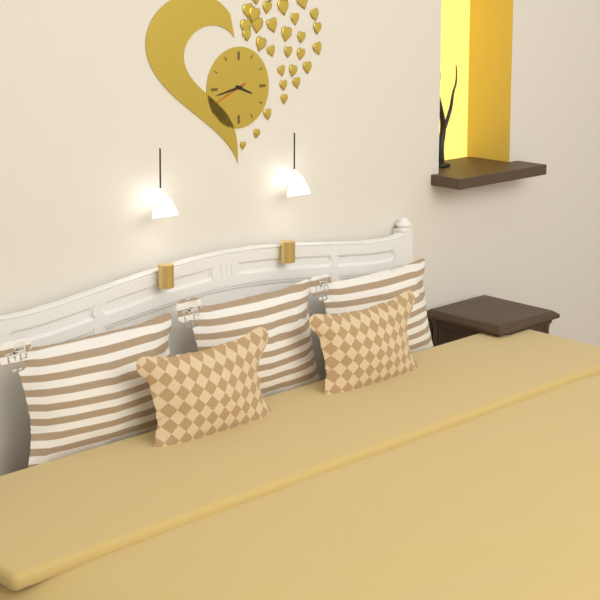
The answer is 3:43
